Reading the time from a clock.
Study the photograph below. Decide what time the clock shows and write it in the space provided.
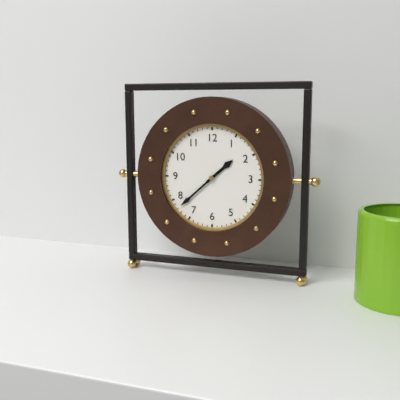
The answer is 1:38
